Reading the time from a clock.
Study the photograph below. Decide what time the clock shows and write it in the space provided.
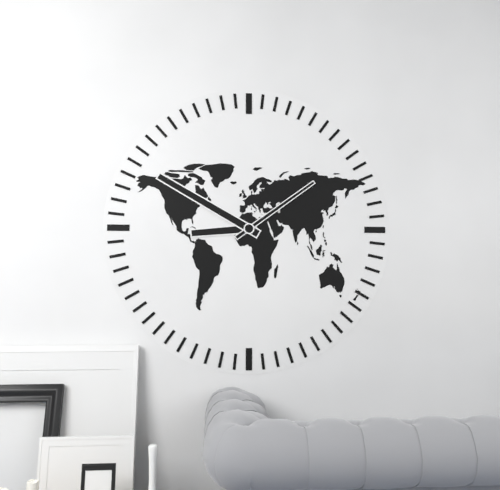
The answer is 8:50:09
